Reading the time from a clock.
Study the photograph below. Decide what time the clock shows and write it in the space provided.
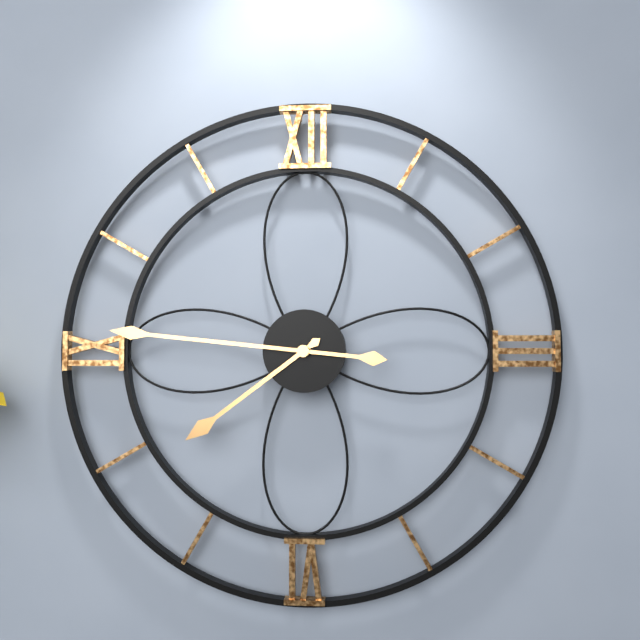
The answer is 7:46
